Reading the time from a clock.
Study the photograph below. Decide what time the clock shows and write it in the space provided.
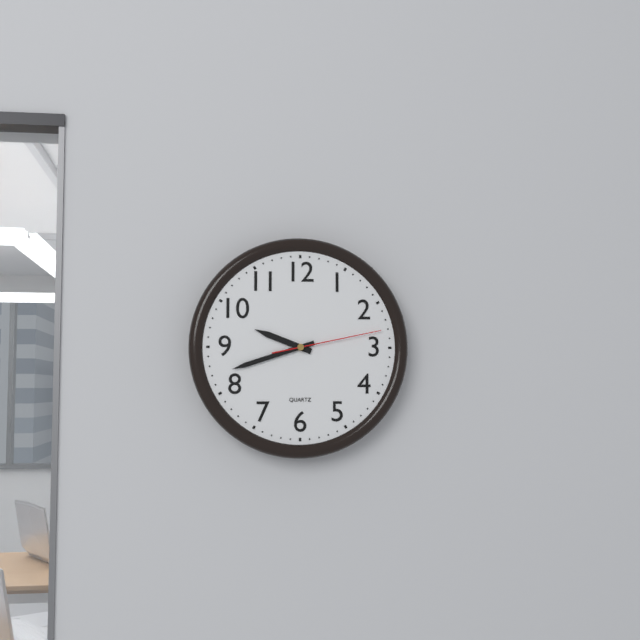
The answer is 9:42:13
